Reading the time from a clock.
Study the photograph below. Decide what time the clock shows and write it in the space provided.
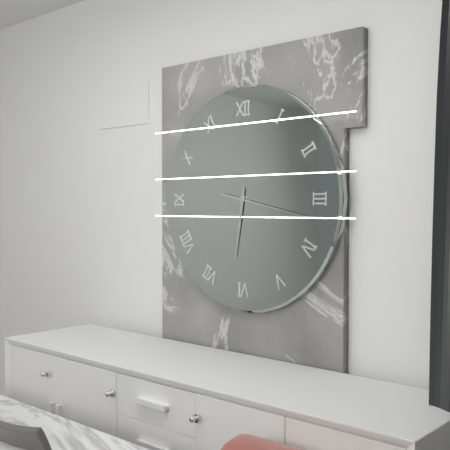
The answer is 6:17
